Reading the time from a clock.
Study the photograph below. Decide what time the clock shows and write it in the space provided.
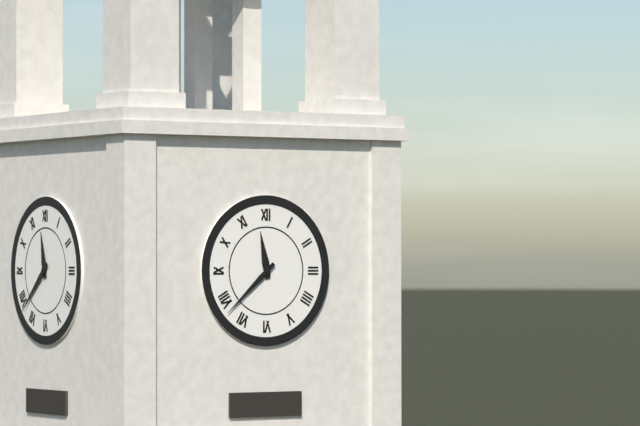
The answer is 11:38
